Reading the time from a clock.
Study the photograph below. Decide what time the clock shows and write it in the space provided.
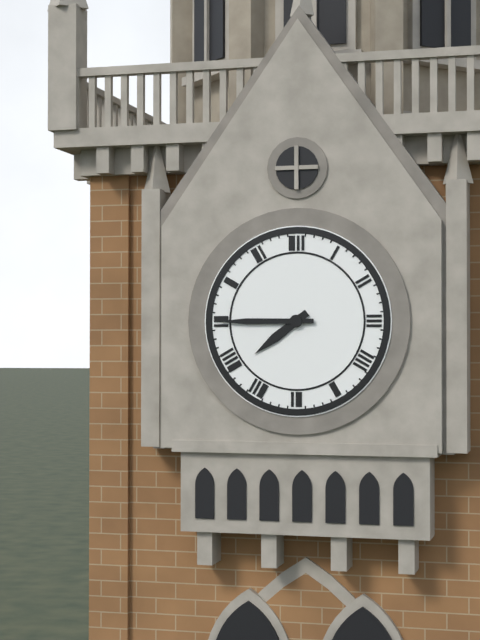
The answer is 7:45
